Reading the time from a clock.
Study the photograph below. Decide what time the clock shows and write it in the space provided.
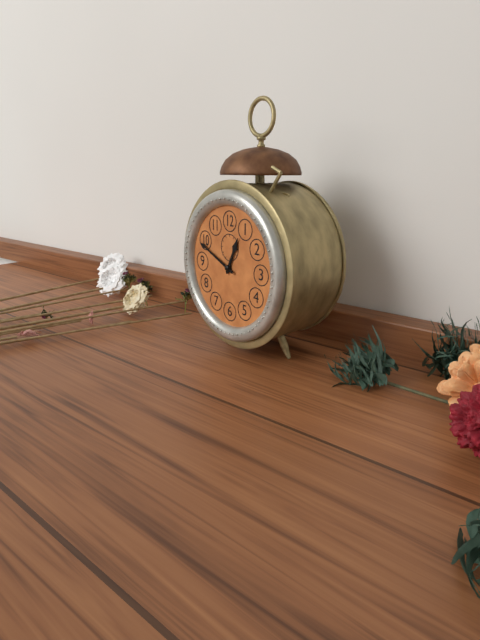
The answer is 12:49
